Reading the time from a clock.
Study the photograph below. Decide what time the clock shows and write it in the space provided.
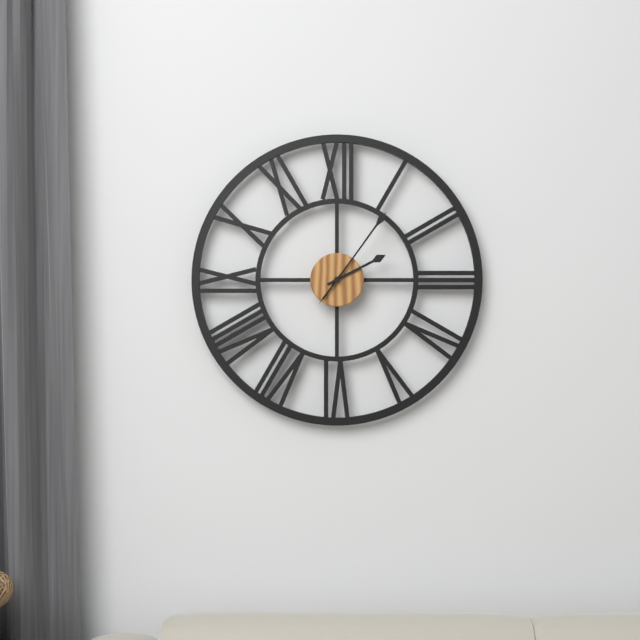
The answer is 2:06
